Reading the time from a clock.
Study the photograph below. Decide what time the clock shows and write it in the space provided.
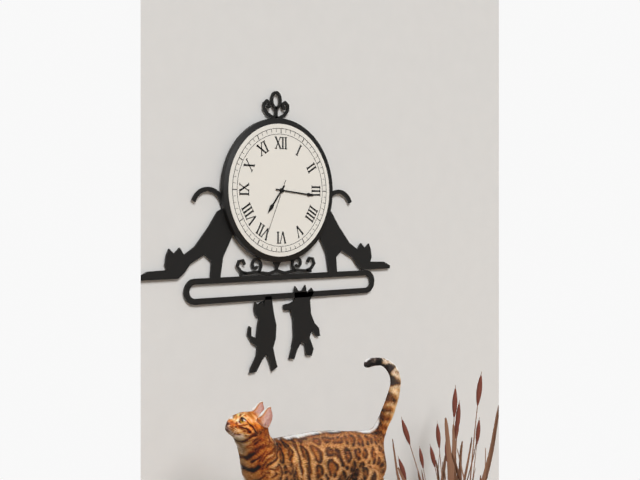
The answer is 7:16:34
